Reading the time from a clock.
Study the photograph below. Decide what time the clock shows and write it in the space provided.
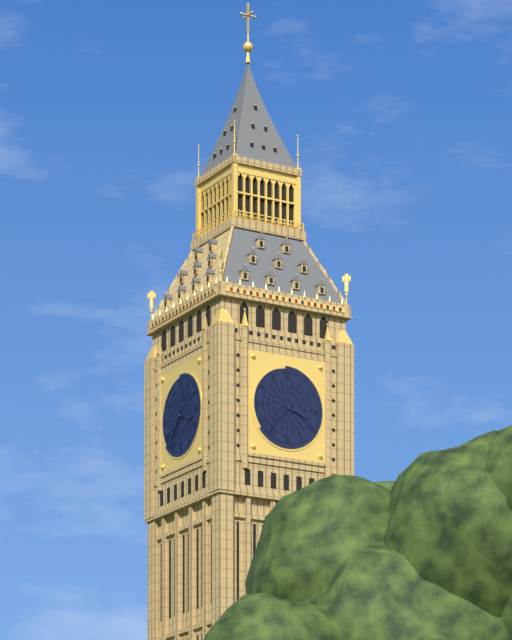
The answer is 3:37
